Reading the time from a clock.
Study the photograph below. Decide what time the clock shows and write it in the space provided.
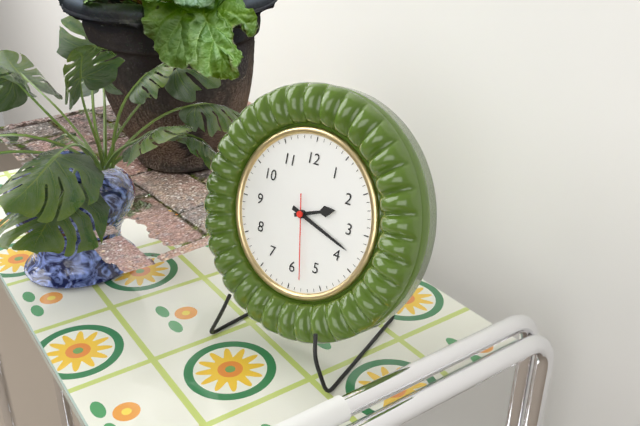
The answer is 2:18:28
